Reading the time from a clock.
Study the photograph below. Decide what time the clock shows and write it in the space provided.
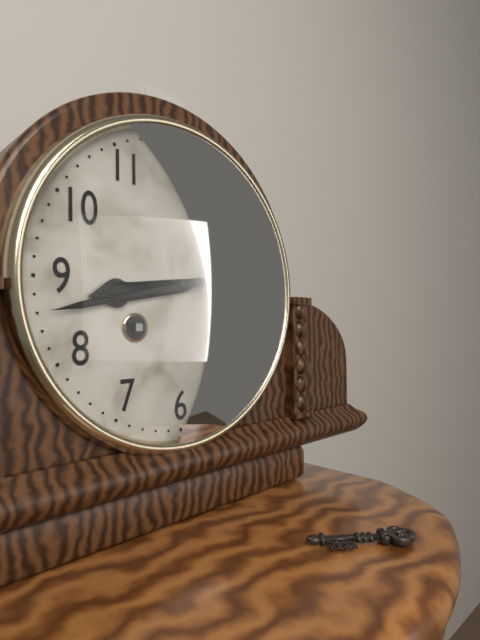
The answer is 8:43
